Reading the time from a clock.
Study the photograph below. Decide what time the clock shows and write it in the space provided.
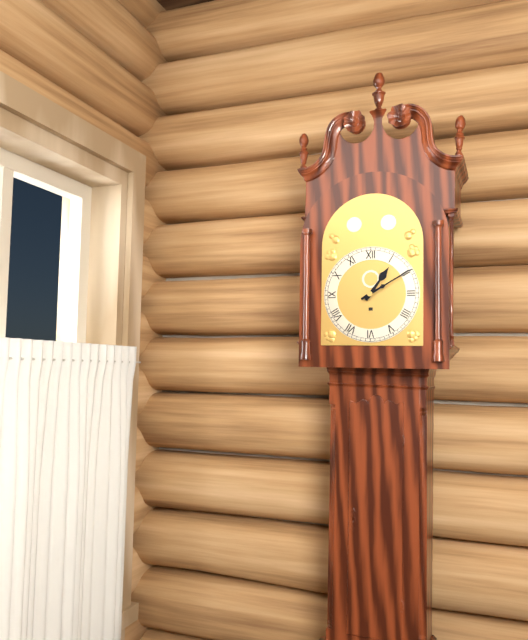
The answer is 1:10
